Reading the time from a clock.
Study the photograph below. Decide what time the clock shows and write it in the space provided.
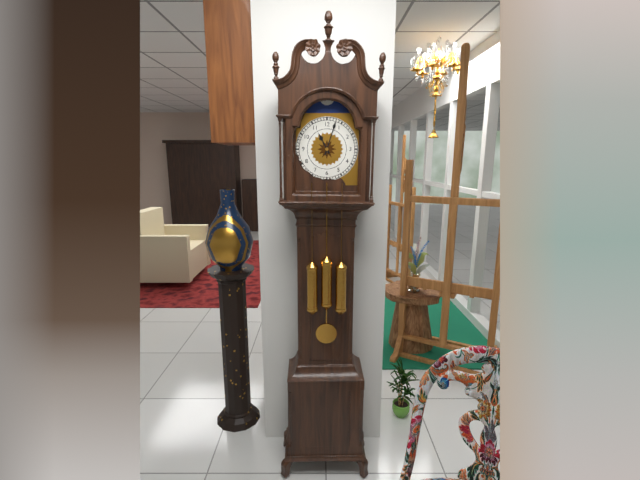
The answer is 11:03
